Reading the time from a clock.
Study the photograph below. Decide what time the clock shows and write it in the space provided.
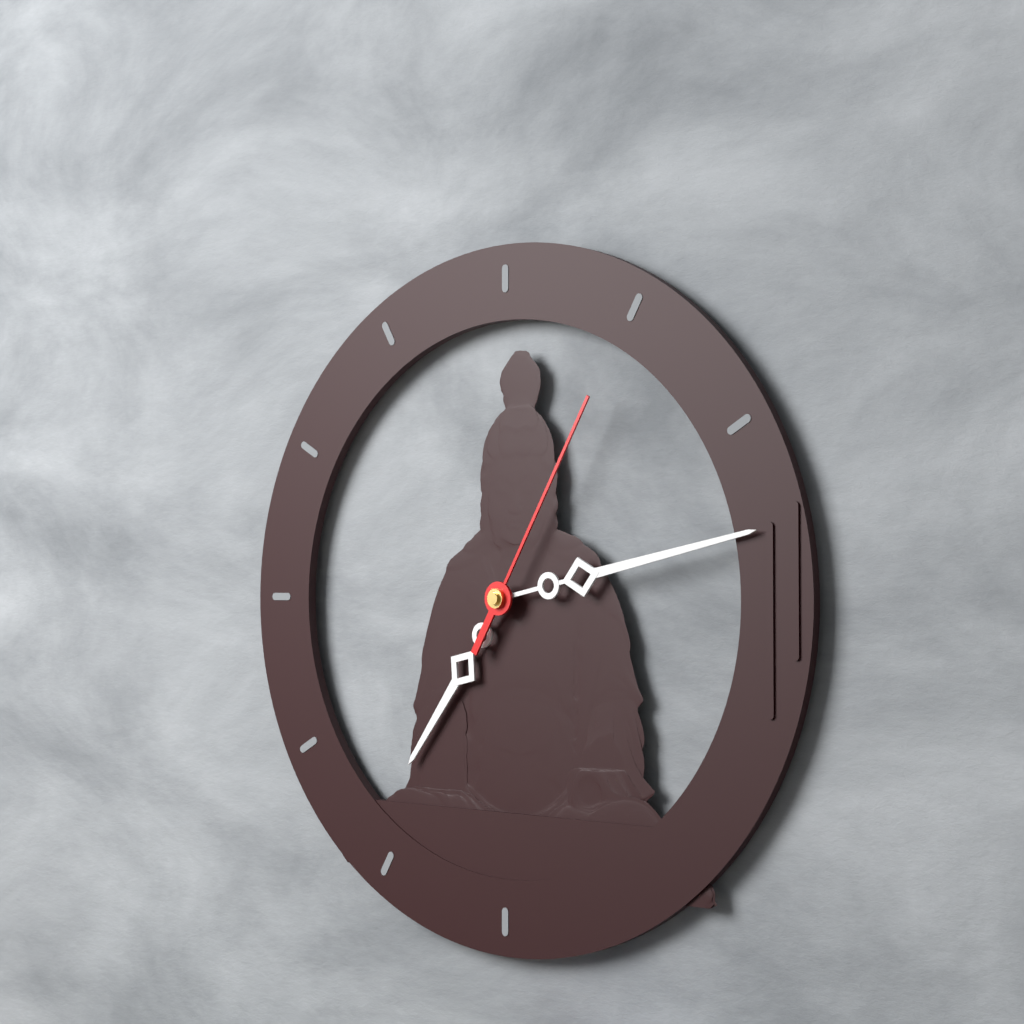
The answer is 7:13:05
